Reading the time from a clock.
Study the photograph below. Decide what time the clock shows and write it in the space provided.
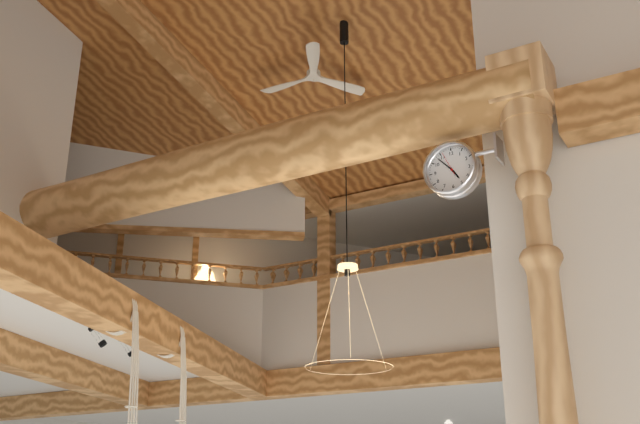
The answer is 4:53
